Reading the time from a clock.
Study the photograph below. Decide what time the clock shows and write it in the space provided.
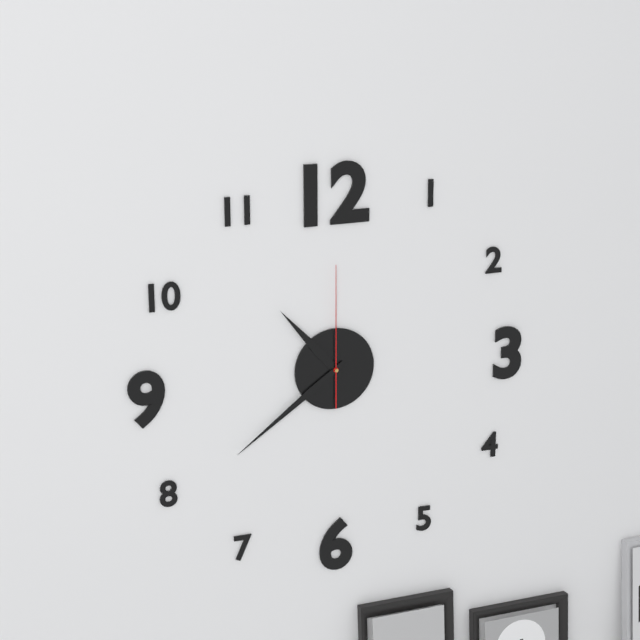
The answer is 10:39:00
